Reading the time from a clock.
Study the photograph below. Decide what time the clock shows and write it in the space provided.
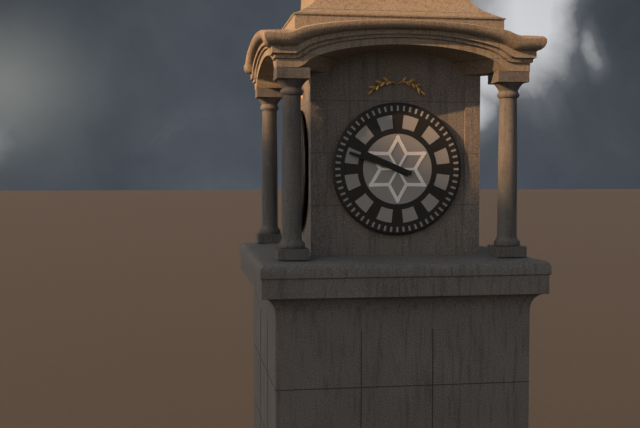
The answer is 9:48
